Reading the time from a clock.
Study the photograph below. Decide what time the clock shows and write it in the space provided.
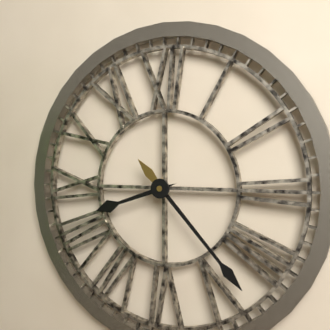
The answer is 8:23
